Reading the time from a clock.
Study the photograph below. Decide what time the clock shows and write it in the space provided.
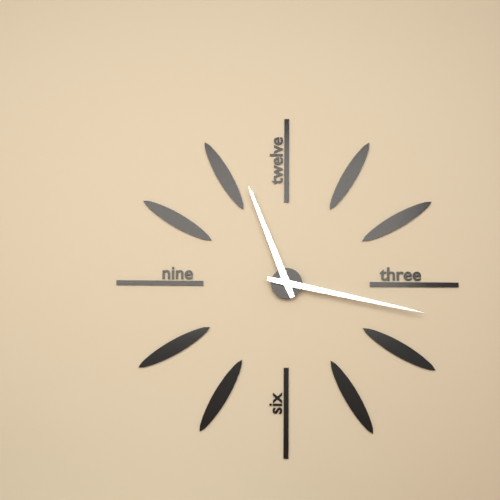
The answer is 11:17
